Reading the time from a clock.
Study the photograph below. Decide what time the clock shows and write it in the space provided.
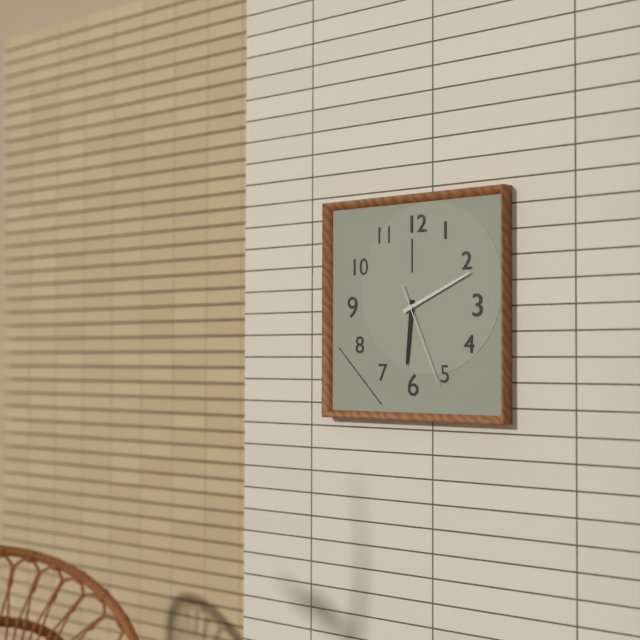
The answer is 6:11:26
